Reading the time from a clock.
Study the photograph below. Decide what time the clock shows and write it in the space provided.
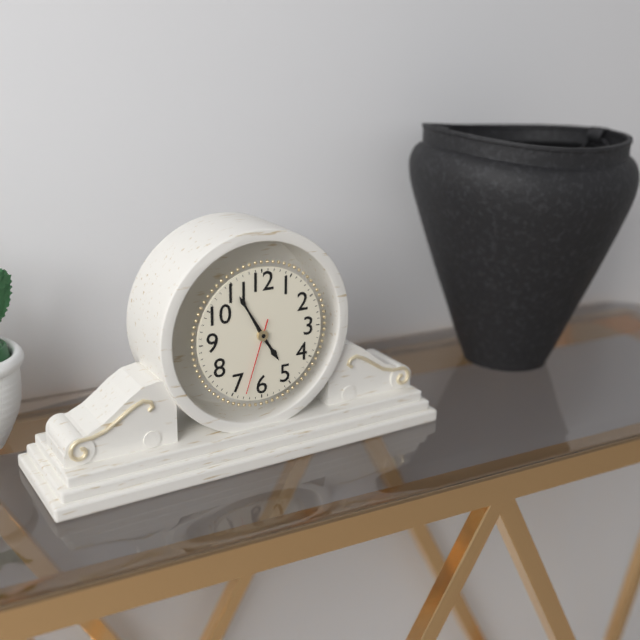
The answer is 4:55:33
